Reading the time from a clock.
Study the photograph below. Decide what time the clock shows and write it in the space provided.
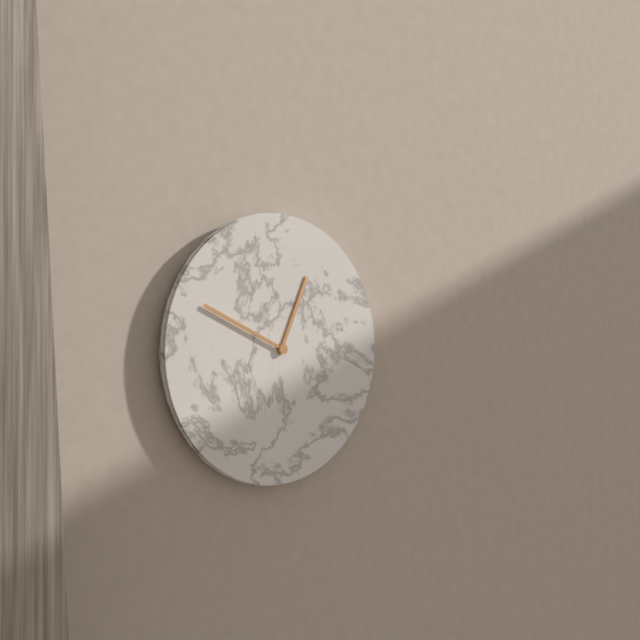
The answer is 12:49
